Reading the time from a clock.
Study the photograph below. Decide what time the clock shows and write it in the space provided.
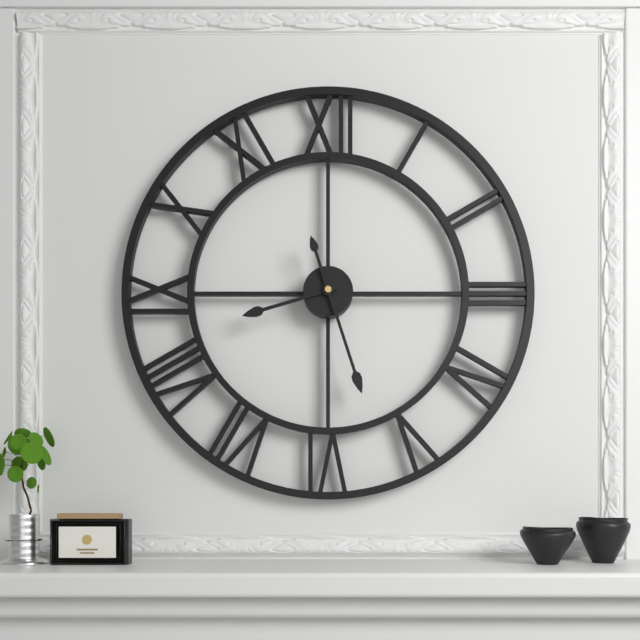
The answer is 8:27
